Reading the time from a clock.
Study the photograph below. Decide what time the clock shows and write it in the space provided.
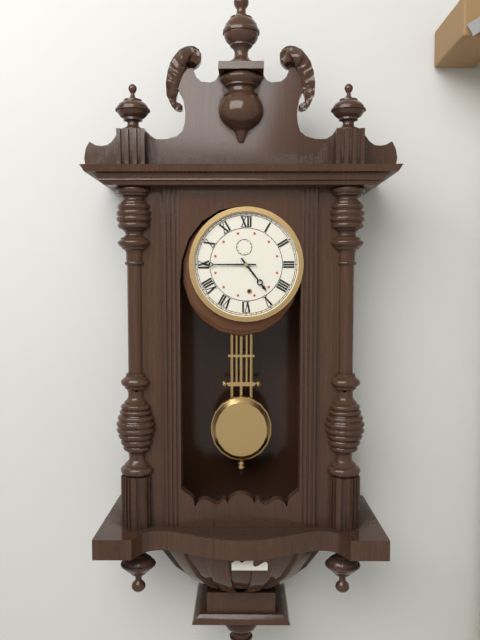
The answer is 4:45
